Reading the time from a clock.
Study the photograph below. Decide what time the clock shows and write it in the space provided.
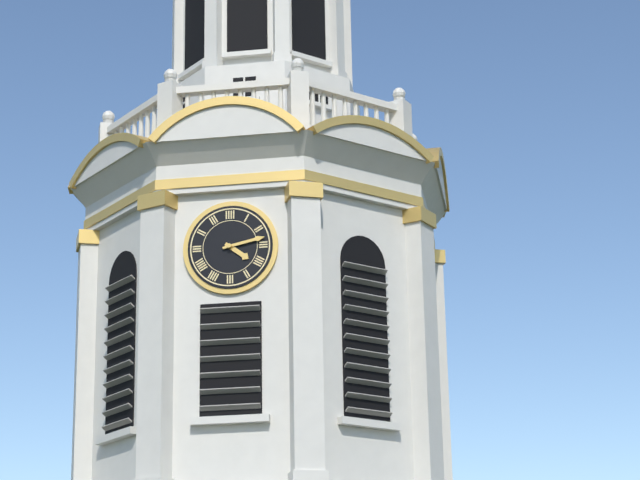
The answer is 4:13
